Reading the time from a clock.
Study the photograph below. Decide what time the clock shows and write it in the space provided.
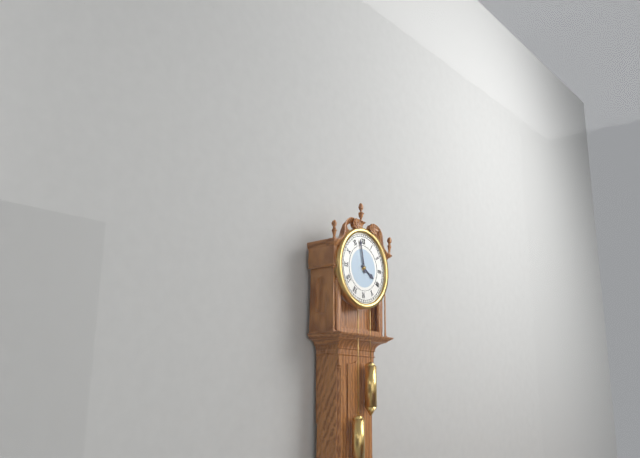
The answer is 3:58
